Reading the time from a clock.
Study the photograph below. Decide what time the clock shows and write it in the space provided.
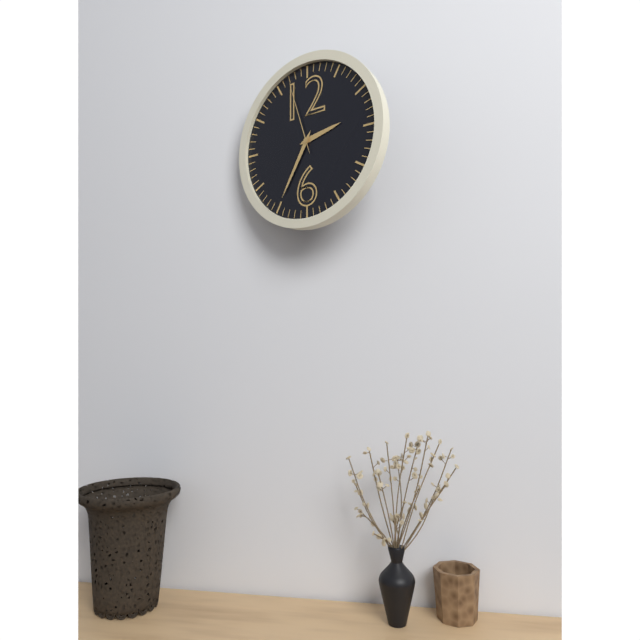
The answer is 2:35:57
